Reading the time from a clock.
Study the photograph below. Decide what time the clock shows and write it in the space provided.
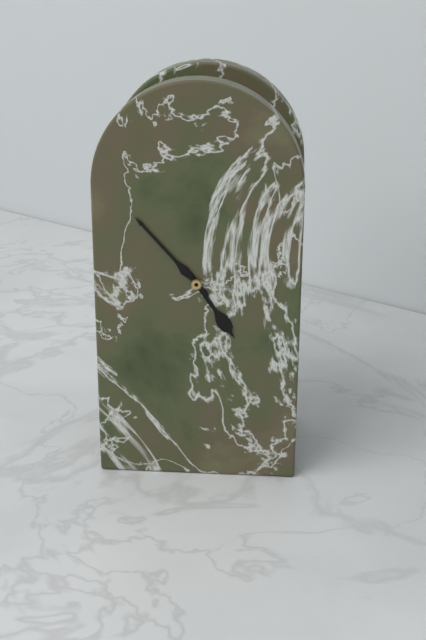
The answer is 4:53
